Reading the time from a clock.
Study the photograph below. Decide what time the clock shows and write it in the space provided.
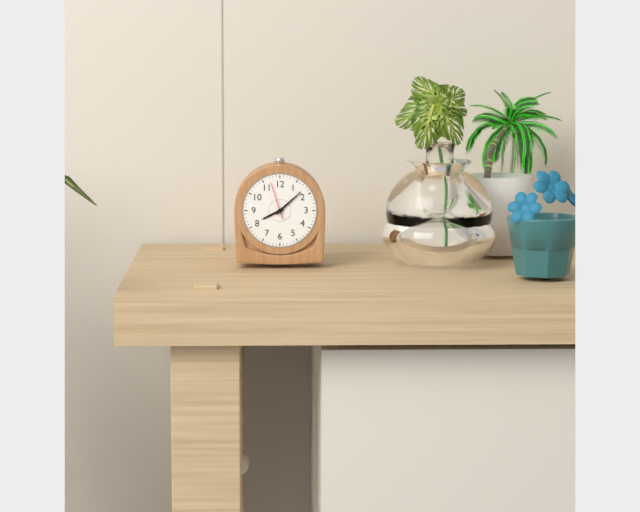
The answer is 8:08
